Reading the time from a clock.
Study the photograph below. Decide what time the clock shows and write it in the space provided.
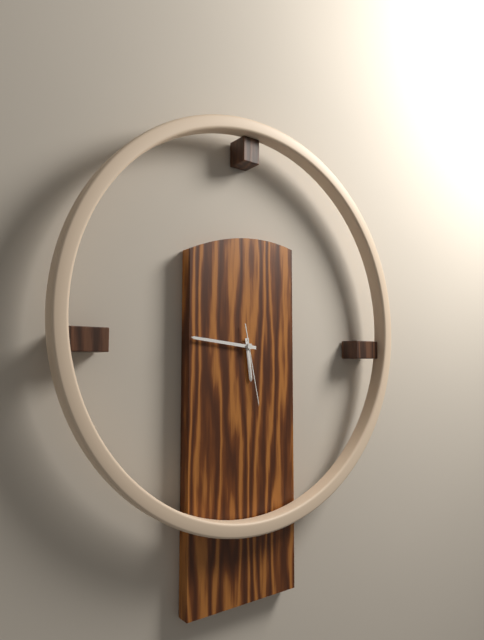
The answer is 5:46:28
